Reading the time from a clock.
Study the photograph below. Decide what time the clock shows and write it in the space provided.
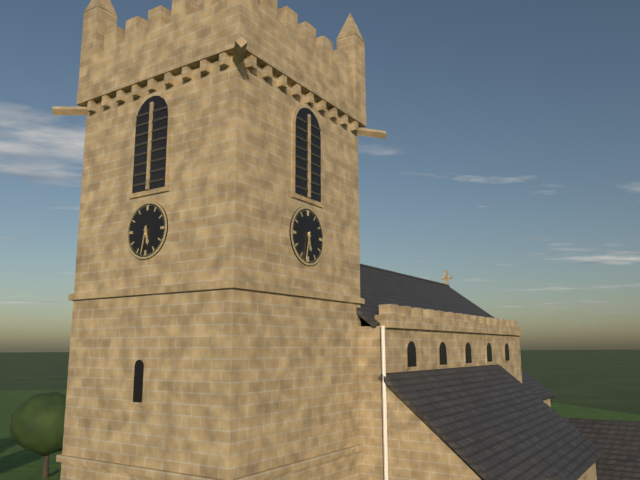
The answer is 5:32
